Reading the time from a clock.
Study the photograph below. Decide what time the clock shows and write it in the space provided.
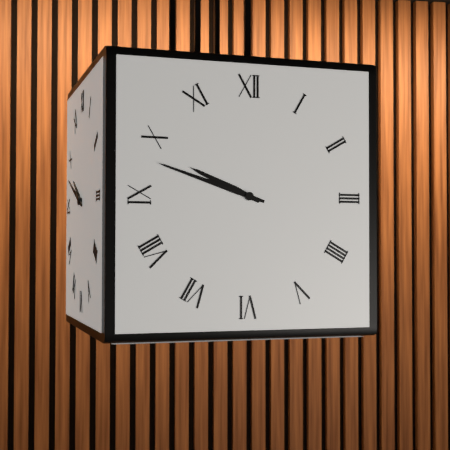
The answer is 9:48
